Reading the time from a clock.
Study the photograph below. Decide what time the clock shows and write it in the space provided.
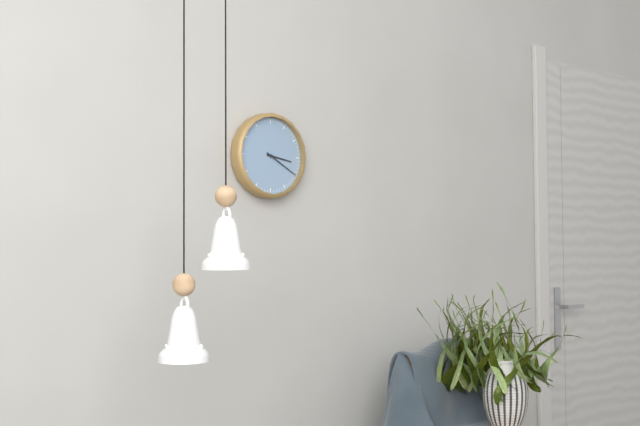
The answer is 3:20
